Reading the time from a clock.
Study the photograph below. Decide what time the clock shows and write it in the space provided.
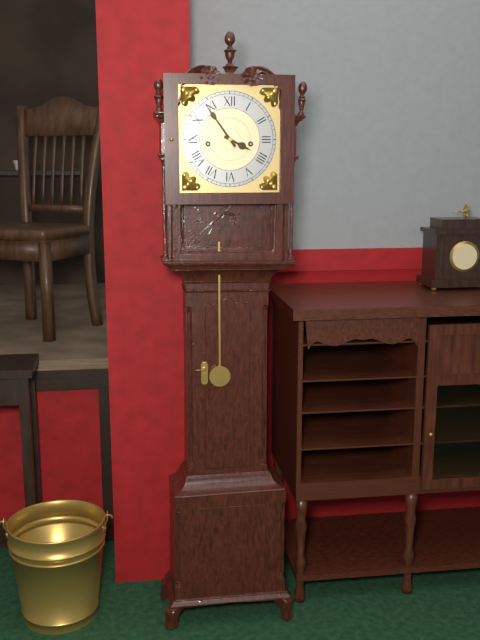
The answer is 3:54
